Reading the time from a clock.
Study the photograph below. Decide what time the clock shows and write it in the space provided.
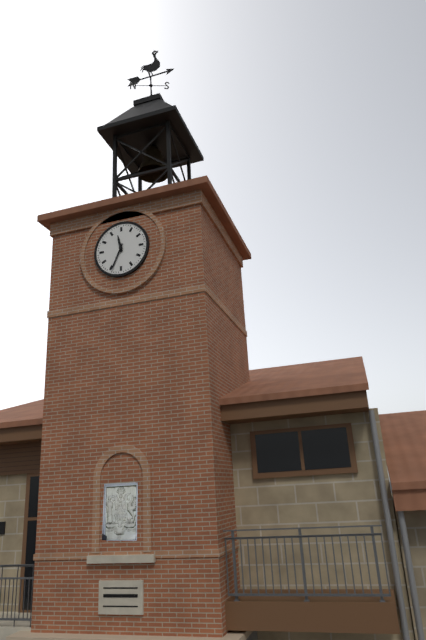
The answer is 11:34
